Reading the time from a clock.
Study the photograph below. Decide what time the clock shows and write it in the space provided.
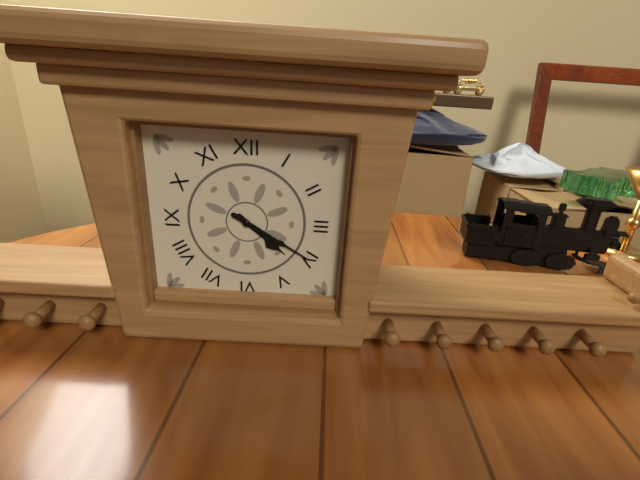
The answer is 4:20
